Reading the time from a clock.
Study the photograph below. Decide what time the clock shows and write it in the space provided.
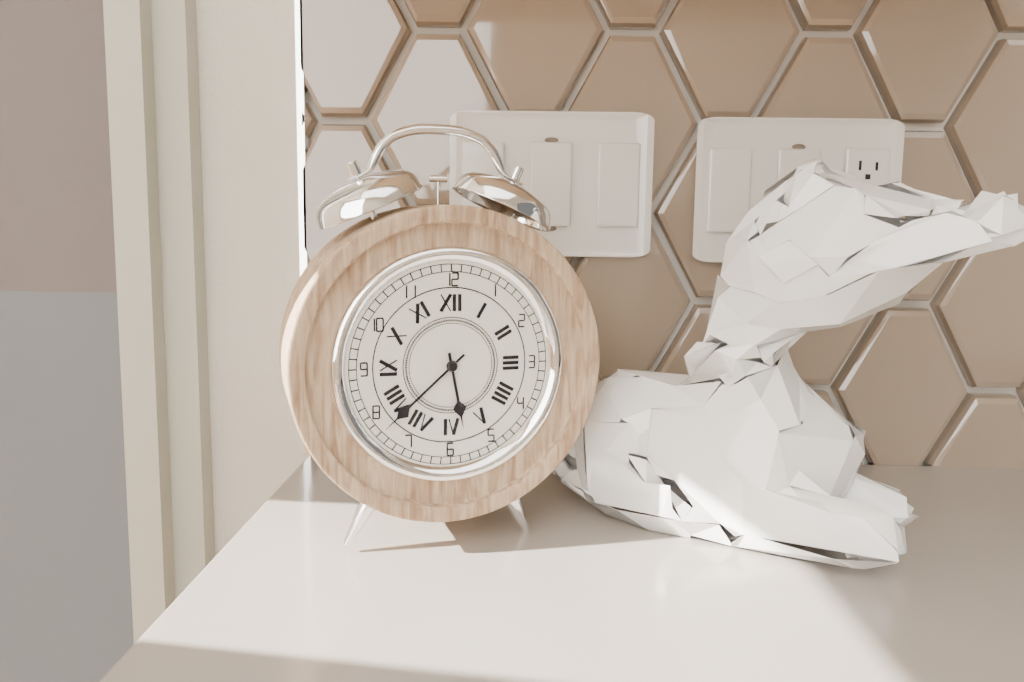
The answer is 5:38
